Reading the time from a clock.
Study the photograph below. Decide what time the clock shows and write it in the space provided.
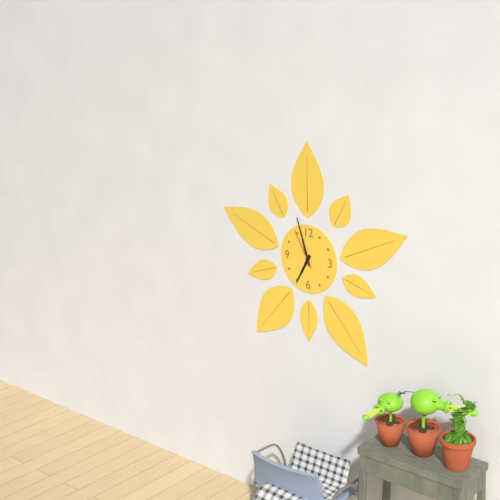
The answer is 6:57
